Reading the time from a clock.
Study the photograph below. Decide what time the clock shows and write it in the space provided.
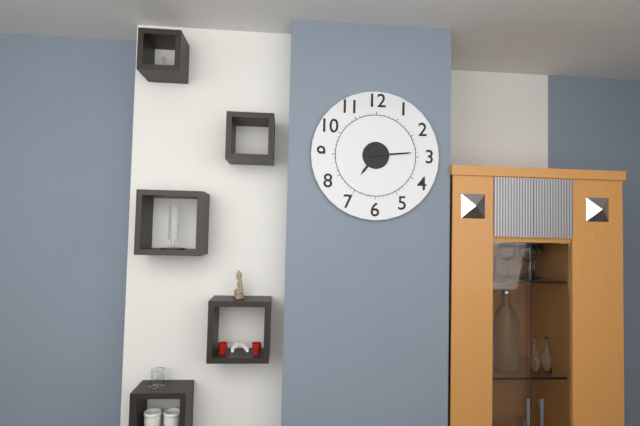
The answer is 7:14
